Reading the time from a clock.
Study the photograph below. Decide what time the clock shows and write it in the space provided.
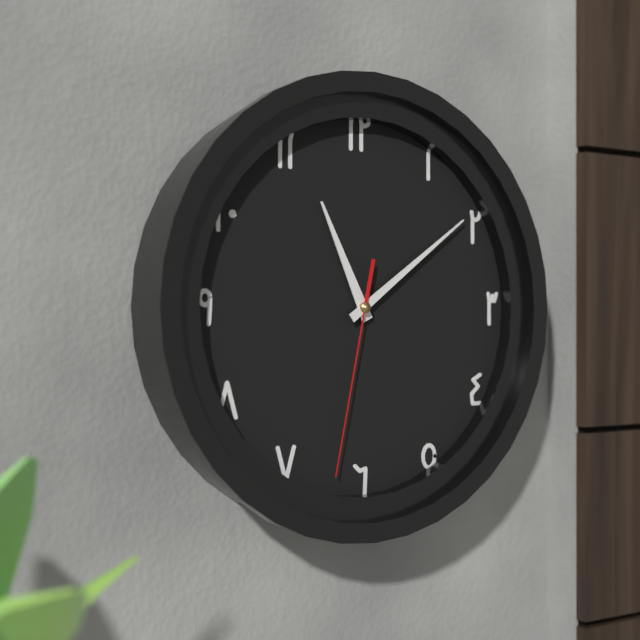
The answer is 11:09:32
